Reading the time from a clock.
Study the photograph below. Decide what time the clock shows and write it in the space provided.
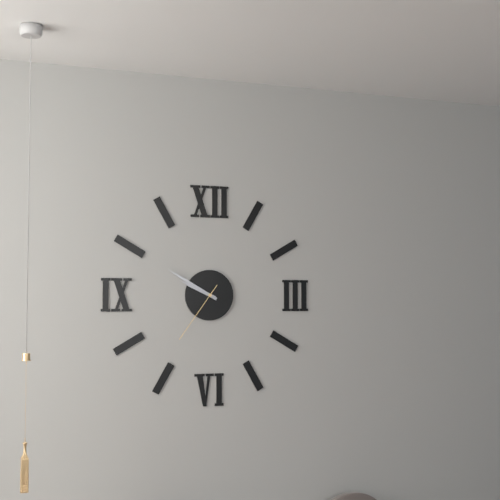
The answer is 9:50:36
